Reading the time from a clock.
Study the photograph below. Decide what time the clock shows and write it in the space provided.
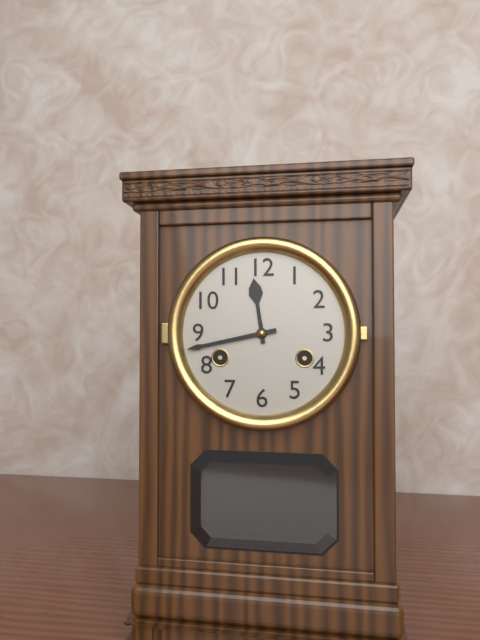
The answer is 11:43
